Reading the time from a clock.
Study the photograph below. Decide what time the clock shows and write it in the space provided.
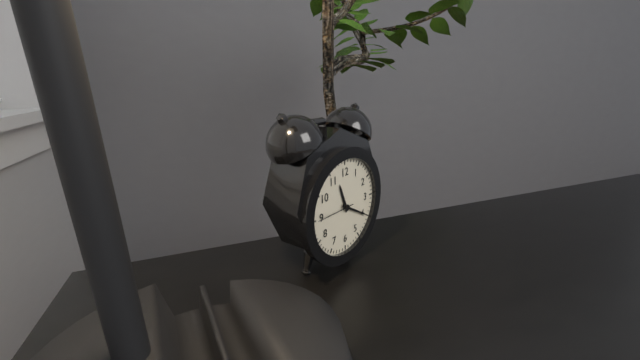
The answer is 11:20
